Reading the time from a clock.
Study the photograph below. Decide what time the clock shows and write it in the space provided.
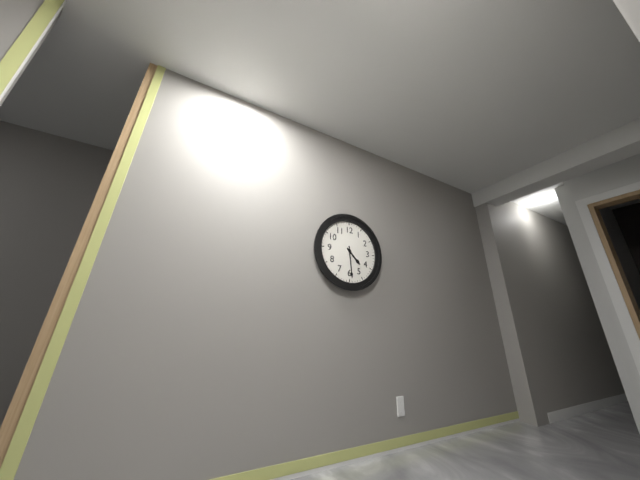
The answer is 4:29
